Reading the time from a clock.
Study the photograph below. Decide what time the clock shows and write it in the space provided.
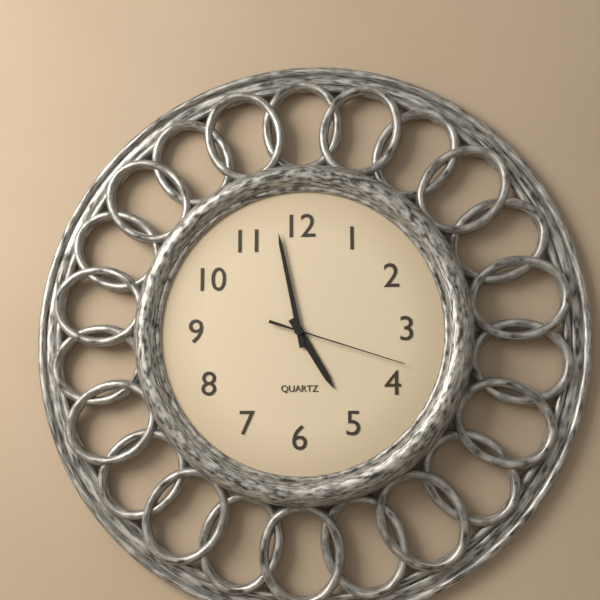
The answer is 4:58:18
